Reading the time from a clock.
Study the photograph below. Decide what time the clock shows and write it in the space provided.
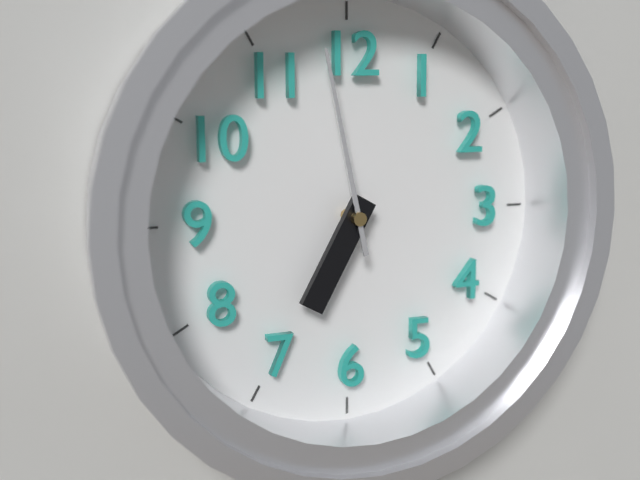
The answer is 6:58
